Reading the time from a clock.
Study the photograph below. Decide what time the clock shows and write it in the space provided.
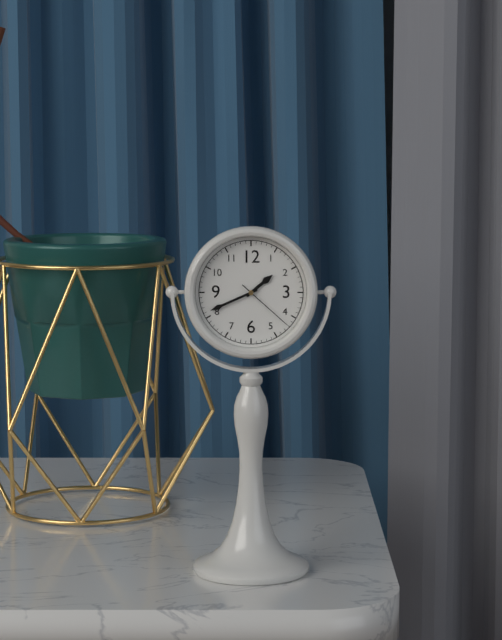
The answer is 1:41:22
